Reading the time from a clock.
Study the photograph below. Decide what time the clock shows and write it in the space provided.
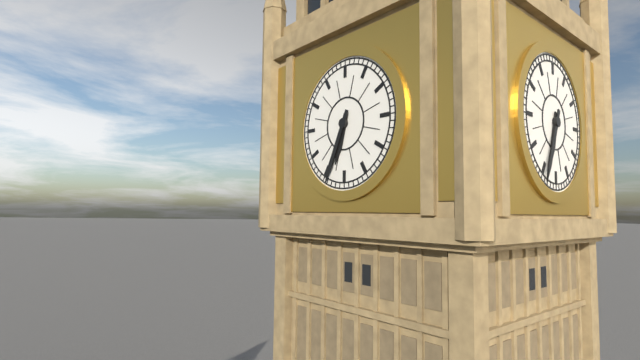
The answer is 6:34
